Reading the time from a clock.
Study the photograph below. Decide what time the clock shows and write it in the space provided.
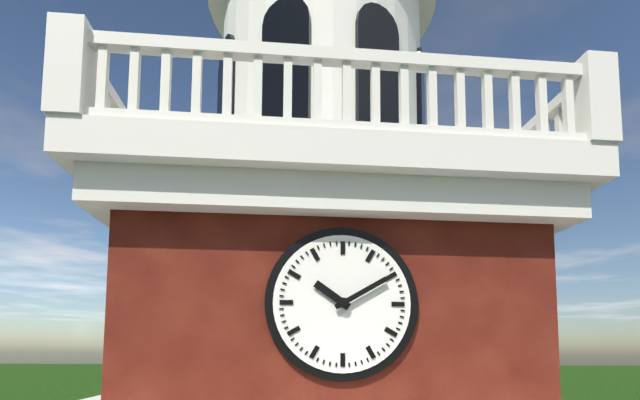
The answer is 10:10
